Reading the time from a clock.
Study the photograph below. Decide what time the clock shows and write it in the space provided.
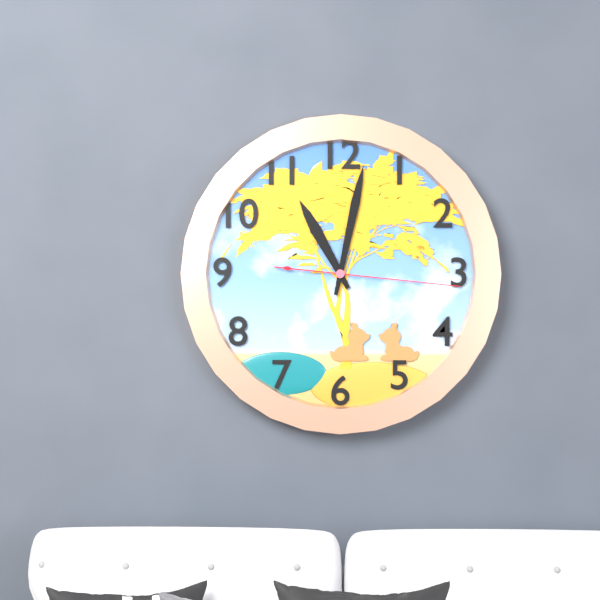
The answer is 11:02:16
